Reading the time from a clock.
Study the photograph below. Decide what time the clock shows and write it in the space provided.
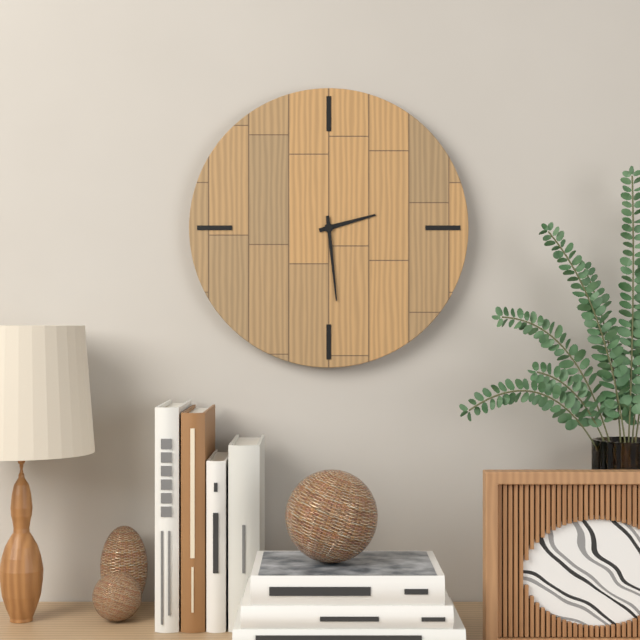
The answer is 2:29
